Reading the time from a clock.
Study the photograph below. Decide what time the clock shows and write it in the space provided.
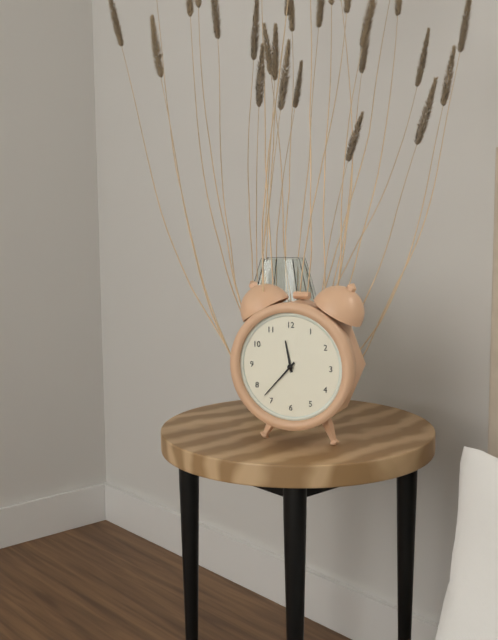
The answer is 11:37
